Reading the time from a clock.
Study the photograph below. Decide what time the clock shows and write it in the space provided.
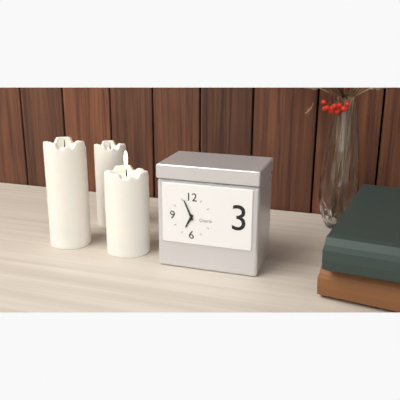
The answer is 6:56
